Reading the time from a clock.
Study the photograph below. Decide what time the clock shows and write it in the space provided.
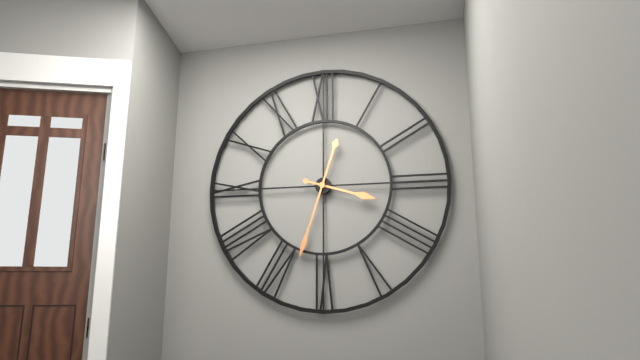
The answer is 3:33
